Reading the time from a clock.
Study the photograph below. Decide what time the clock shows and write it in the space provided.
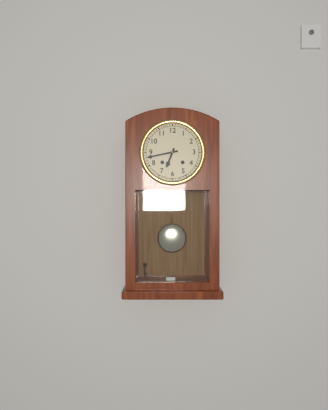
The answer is 6:43
